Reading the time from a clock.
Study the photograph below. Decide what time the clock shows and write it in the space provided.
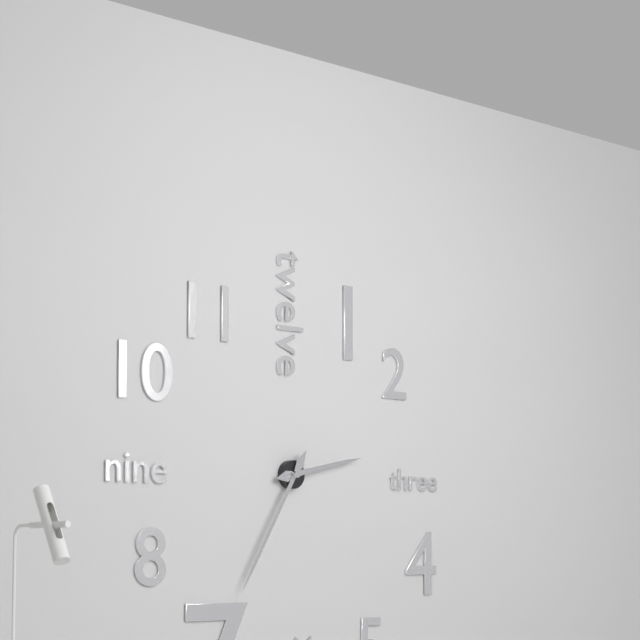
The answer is 2:35
